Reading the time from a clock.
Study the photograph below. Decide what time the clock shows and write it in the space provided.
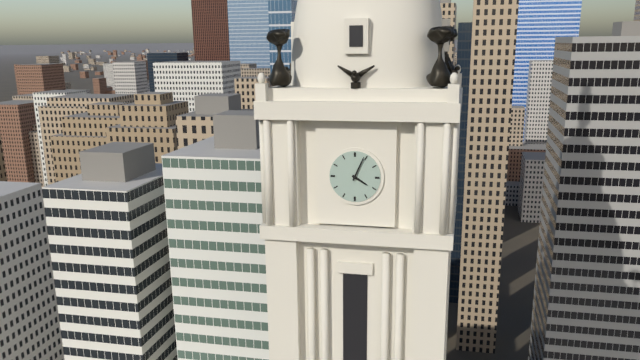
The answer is 4:04
